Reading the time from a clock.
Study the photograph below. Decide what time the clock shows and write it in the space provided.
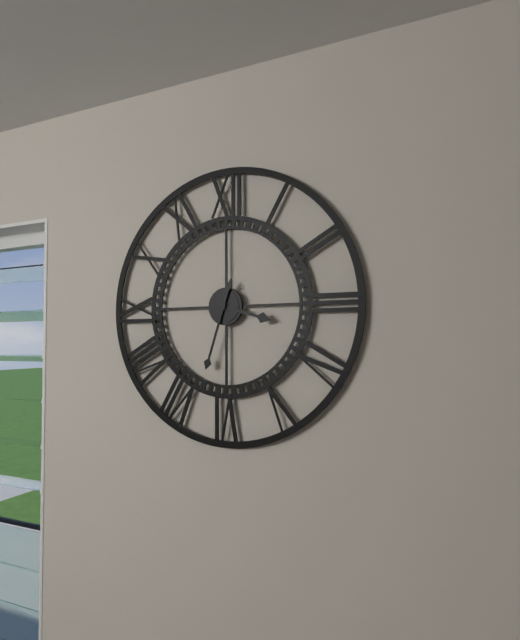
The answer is 3:33
